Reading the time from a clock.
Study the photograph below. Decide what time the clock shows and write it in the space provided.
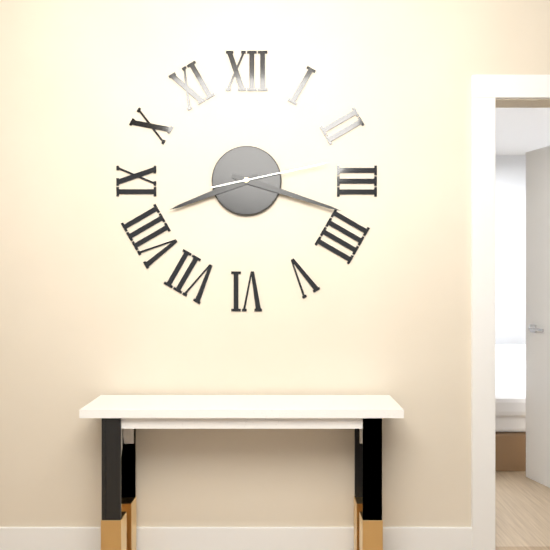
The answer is 8:18:13
